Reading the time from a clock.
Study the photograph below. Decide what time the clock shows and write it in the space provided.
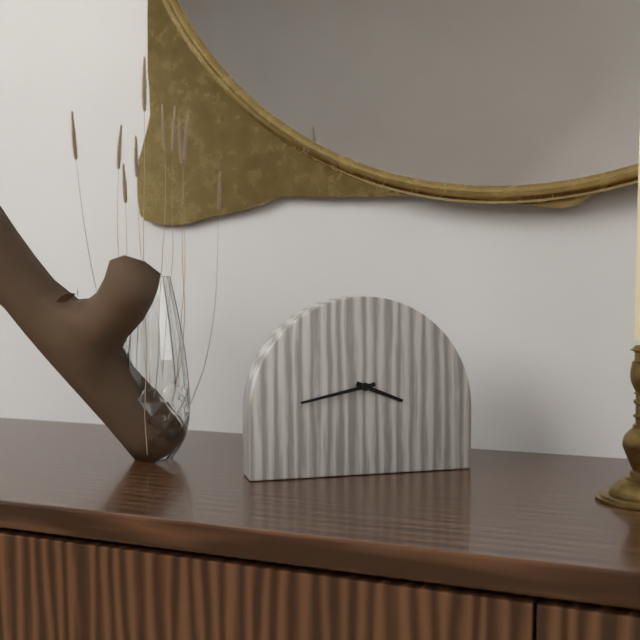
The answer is 3:43
